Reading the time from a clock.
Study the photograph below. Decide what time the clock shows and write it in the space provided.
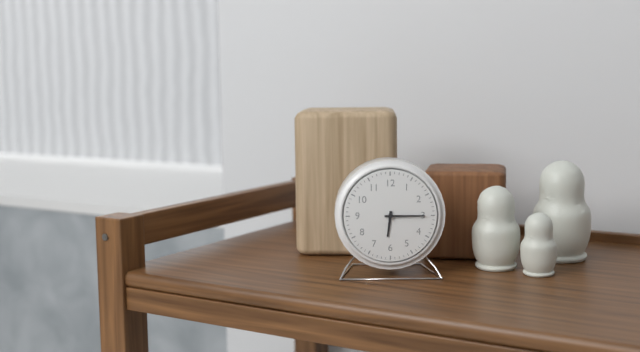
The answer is 6:15
